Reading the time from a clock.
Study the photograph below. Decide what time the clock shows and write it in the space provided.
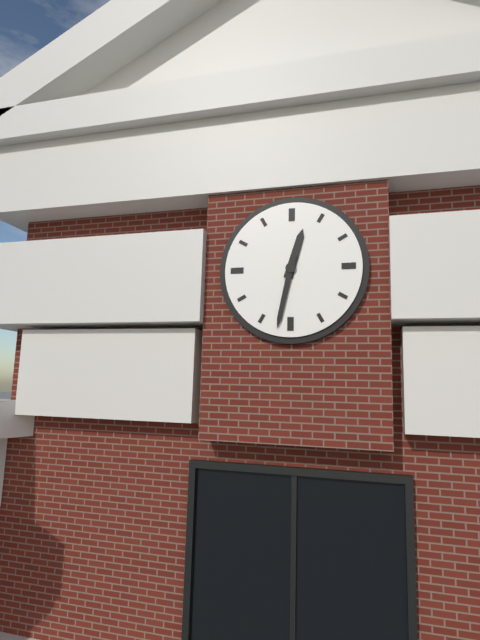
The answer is 12:32
